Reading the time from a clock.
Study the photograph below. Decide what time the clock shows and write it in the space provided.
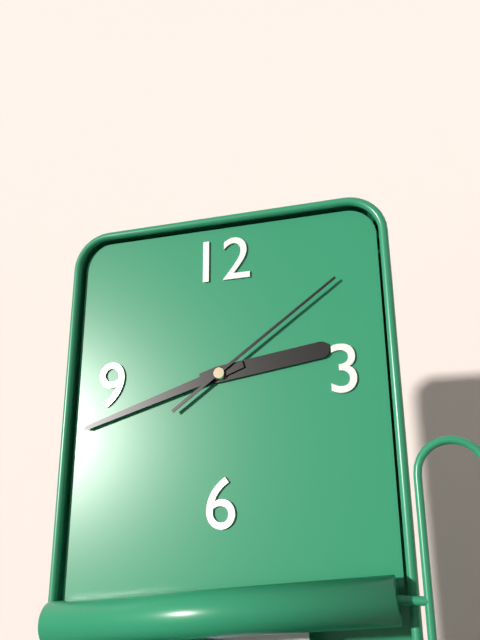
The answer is 2:42:09
